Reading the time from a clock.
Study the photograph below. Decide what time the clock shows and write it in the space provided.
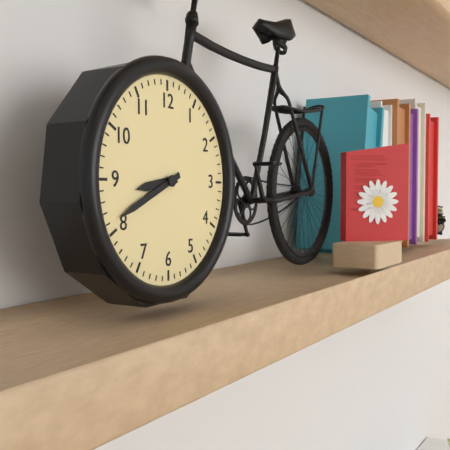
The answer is 8:41
